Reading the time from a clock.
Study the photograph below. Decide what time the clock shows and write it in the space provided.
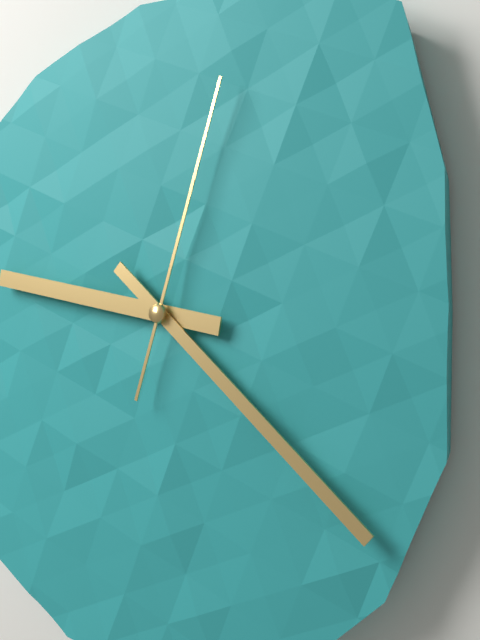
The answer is 9:22:03
